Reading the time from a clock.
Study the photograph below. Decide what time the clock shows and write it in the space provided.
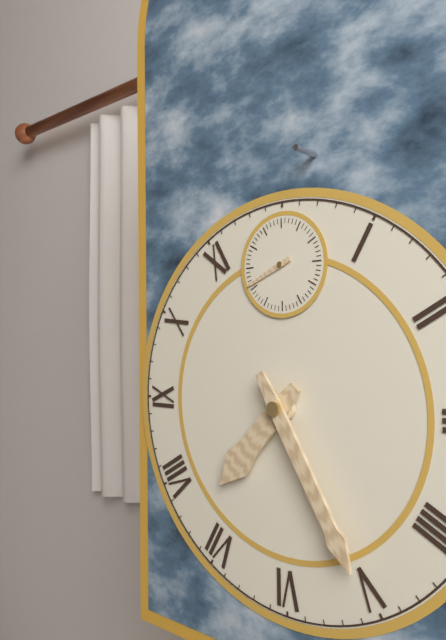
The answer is 7:25:41
